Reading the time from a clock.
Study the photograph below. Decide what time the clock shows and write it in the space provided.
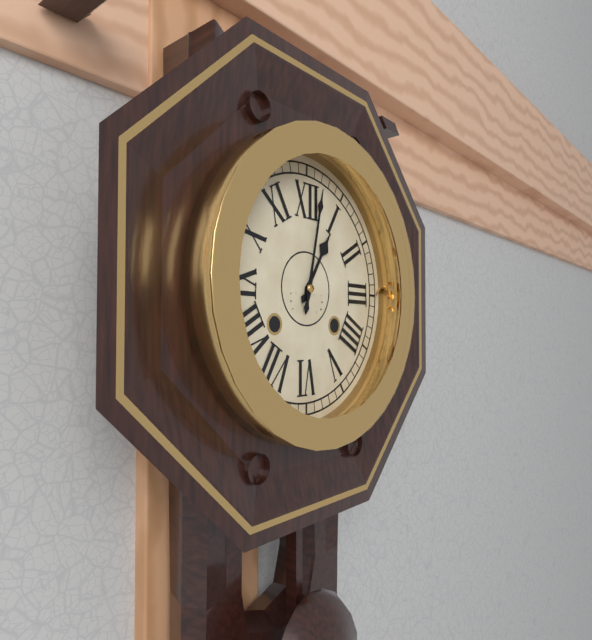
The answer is 1:02
